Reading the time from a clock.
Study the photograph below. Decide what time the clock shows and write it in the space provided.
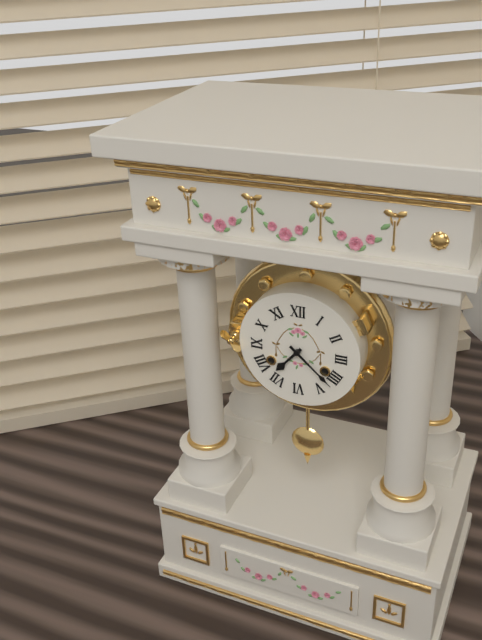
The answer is 7:22
